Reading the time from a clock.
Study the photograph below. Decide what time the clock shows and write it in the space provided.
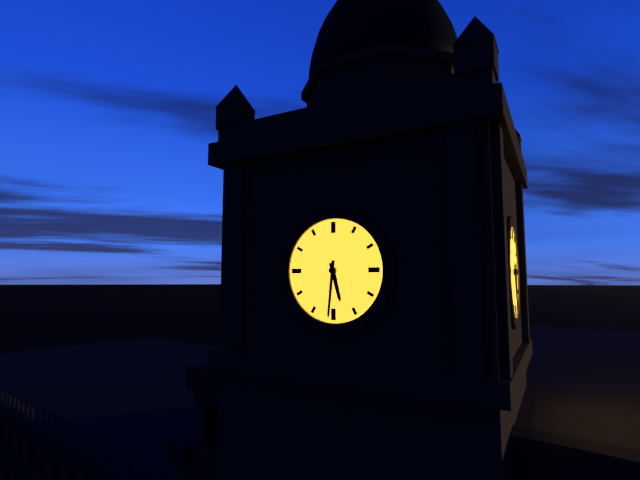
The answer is 5:31
